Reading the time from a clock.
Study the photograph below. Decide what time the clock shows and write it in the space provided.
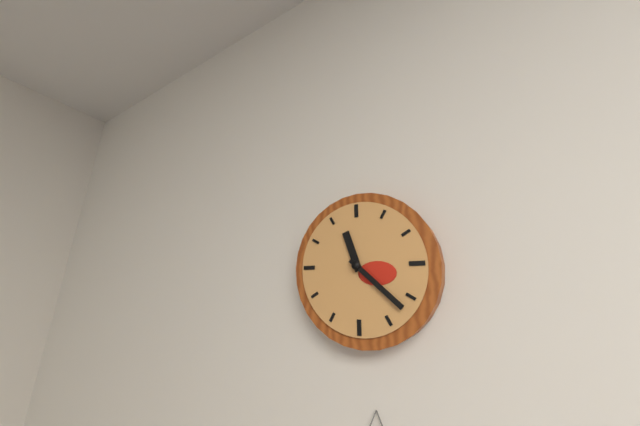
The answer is 11:22
